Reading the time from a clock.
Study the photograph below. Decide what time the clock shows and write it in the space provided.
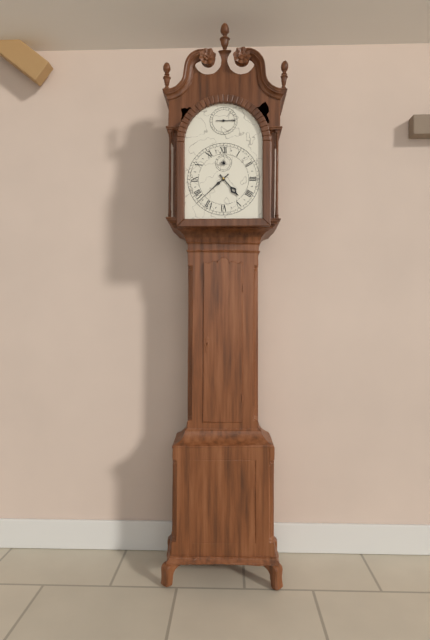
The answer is 4:38
